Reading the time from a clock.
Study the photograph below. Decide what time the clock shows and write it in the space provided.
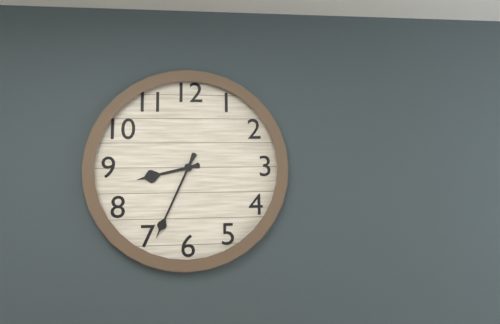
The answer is 8:34
